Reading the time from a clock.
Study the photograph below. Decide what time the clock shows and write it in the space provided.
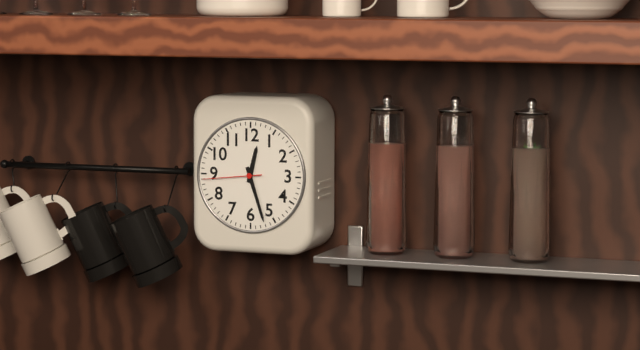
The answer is 12:27:44
